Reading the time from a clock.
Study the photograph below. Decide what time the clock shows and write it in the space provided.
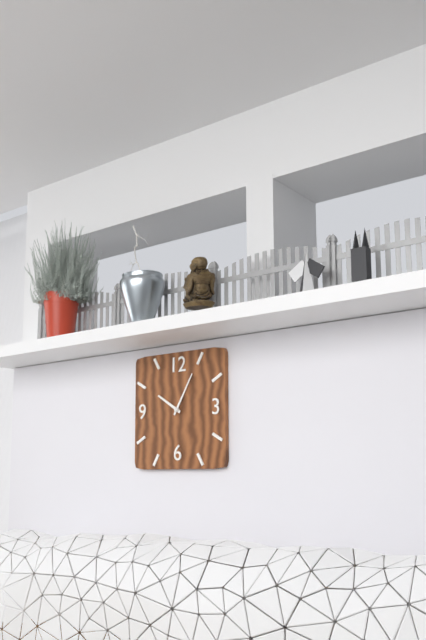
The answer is 10:05
